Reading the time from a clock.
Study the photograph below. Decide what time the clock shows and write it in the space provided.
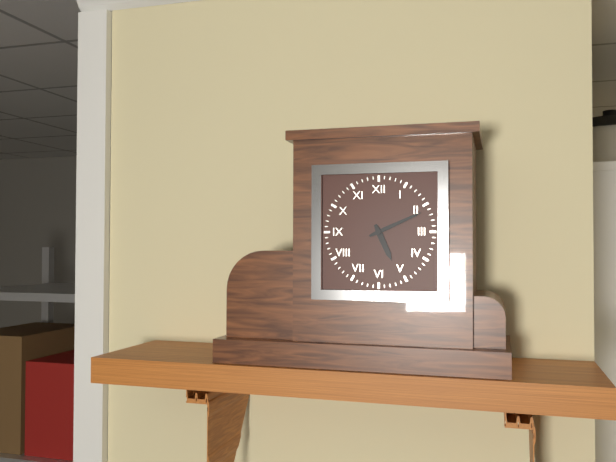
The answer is 5:11
